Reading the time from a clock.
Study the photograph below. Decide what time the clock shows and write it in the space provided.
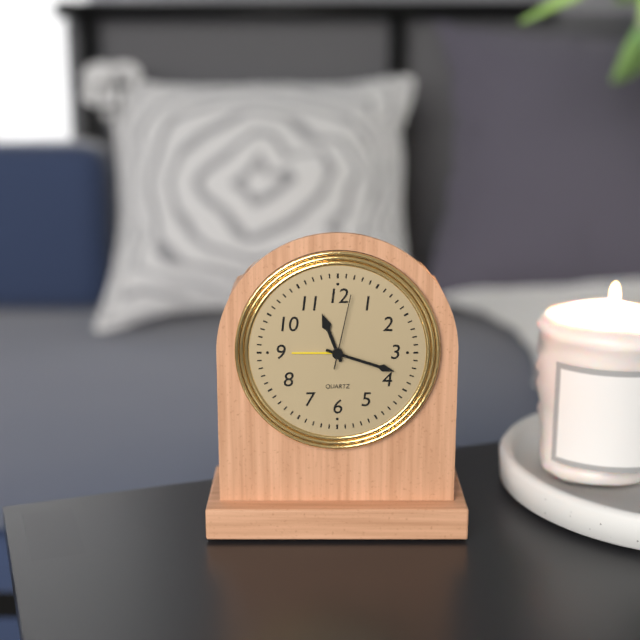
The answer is 11:18:02
